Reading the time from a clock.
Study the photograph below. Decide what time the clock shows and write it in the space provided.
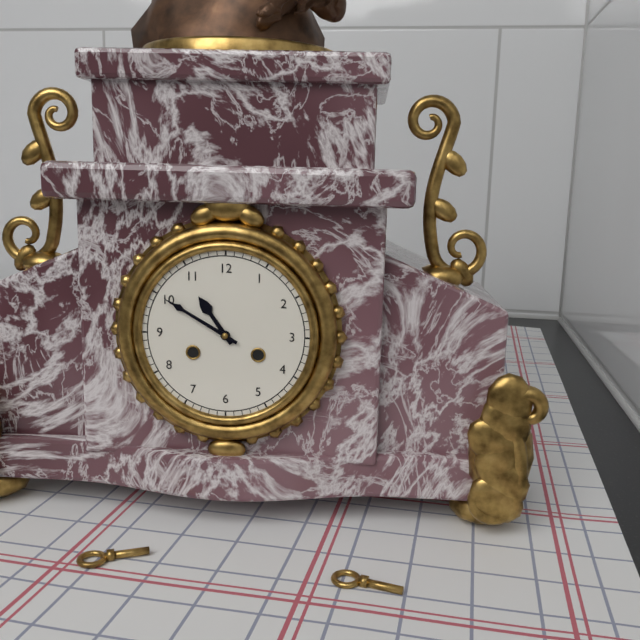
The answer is 10:50
